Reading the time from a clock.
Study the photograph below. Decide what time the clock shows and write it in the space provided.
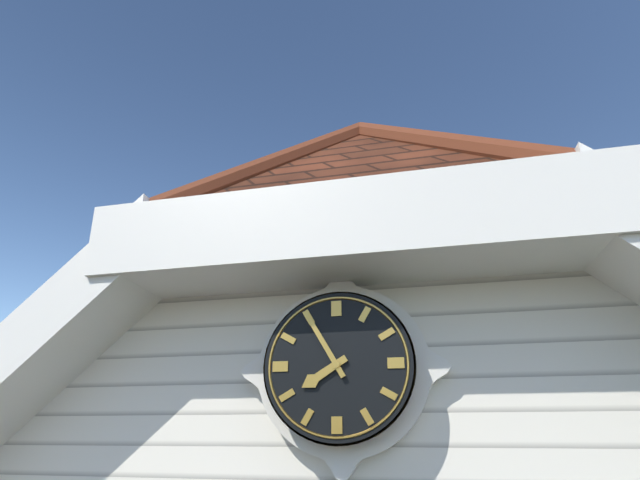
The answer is 7:55
